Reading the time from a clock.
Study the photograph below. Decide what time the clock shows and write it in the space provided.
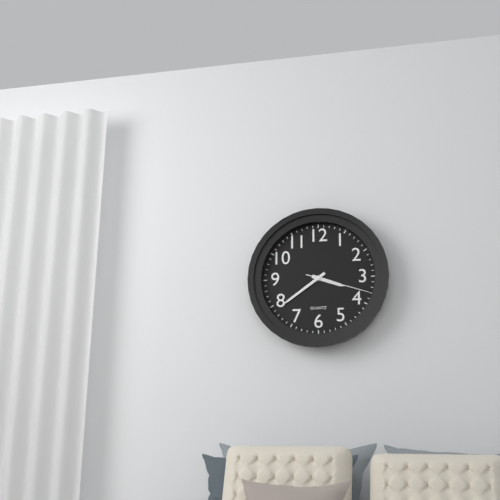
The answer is 3:39:18
